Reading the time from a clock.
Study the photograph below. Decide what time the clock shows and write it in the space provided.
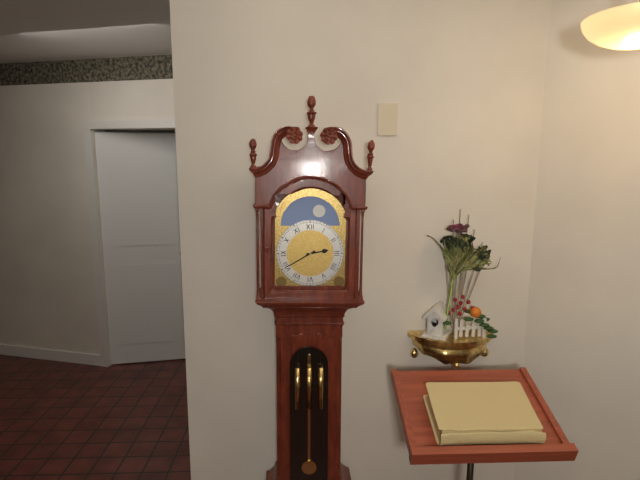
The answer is 2:40
